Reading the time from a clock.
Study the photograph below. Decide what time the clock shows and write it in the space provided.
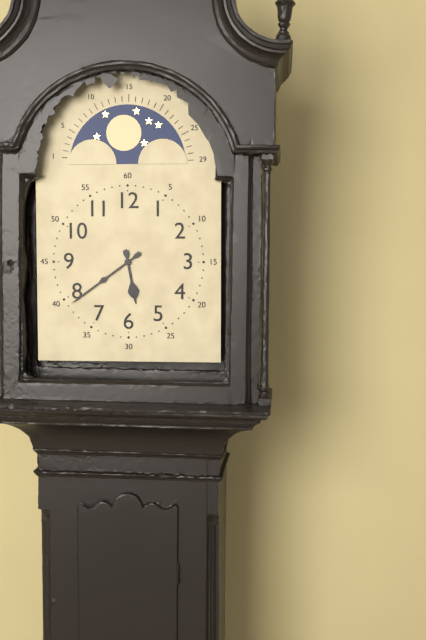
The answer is 5:39
